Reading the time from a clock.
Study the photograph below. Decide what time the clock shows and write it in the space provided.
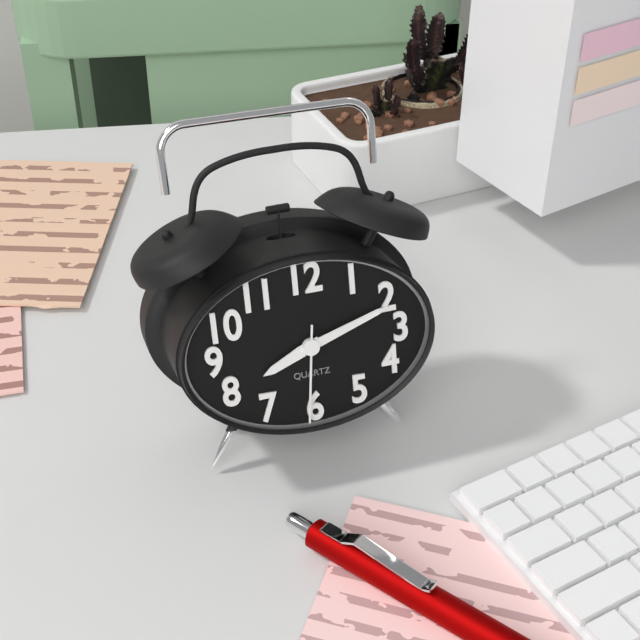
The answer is 8:12:31
